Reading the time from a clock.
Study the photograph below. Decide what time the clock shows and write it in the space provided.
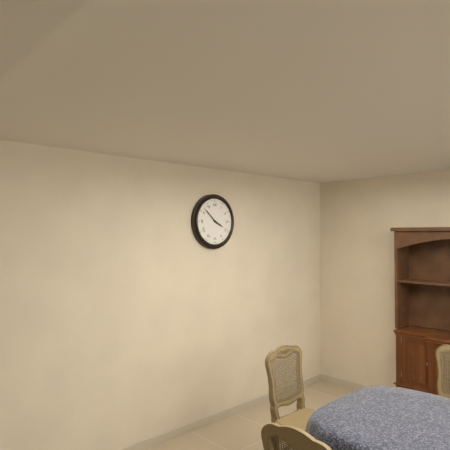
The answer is 3:52
